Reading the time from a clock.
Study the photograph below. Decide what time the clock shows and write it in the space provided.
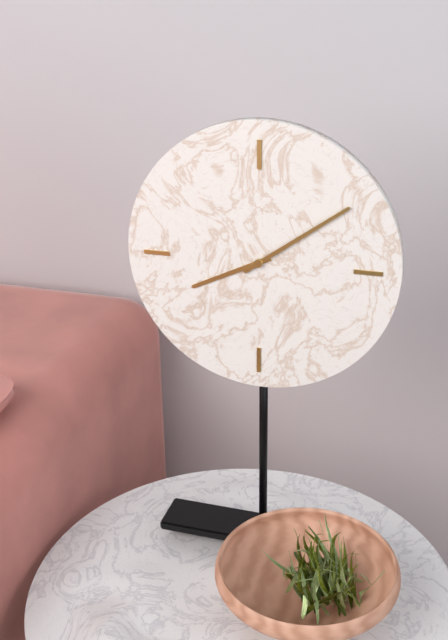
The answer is 8:09
